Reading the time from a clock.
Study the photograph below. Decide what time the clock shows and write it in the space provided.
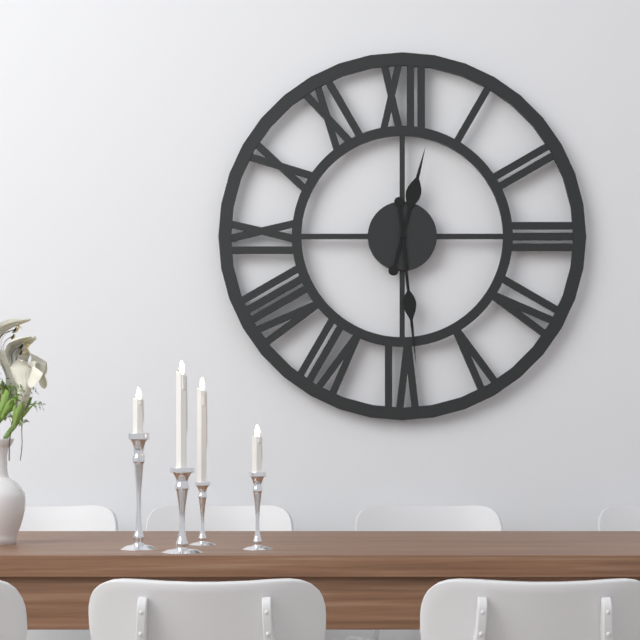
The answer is 12:29
